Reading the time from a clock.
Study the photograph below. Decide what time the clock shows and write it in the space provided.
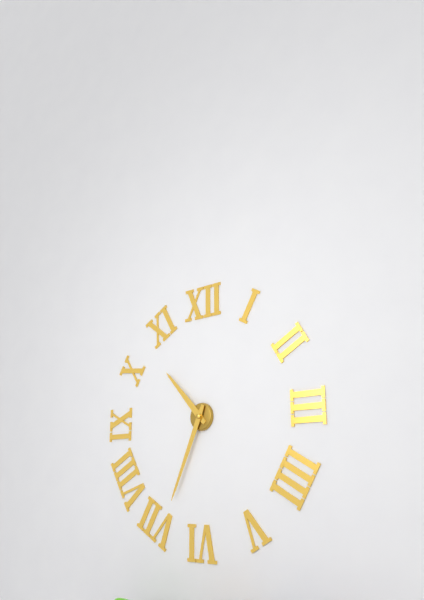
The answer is 10:34
